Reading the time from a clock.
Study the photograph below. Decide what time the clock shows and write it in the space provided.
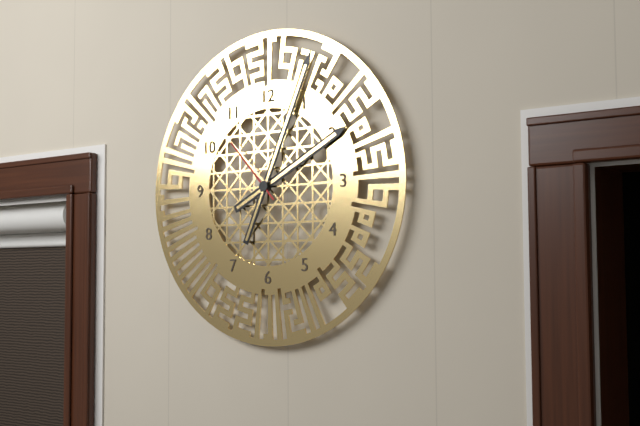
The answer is 2:04:53
